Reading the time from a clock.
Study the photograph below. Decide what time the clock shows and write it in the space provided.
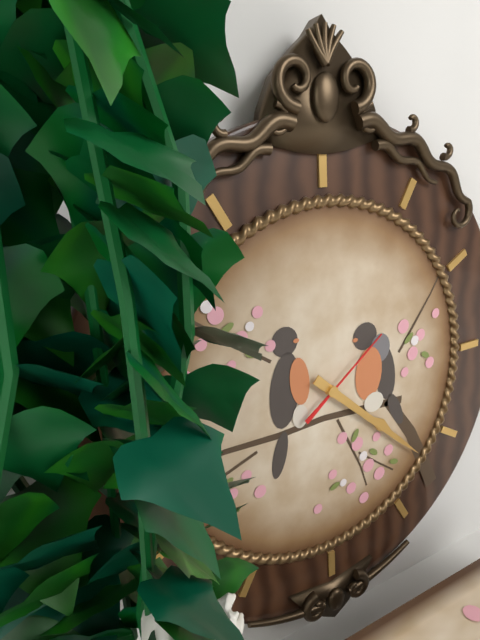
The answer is 4:22:09
